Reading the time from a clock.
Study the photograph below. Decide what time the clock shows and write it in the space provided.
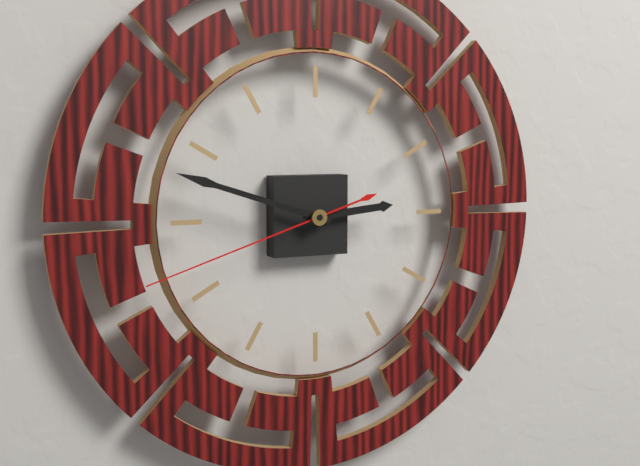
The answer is 2:48:42
